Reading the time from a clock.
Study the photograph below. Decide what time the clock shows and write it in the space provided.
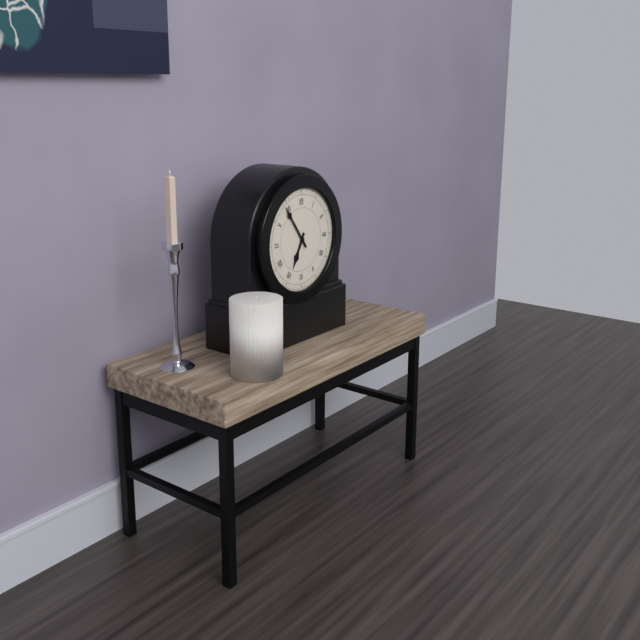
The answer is 6:54
